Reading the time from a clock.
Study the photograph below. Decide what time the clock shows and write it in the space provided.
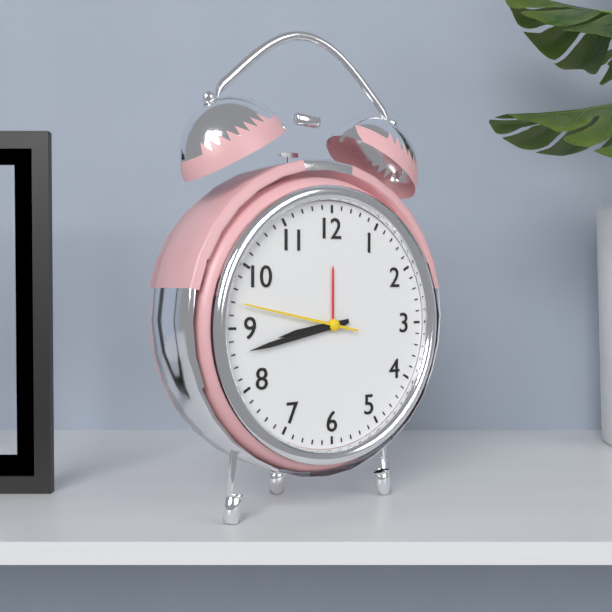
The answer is 8:43:47
